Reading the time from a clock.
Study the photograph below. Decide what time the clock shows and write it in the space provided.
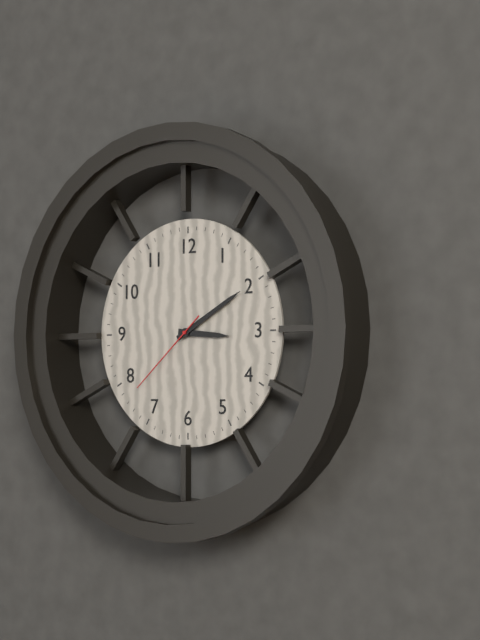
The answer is 3:10:38
